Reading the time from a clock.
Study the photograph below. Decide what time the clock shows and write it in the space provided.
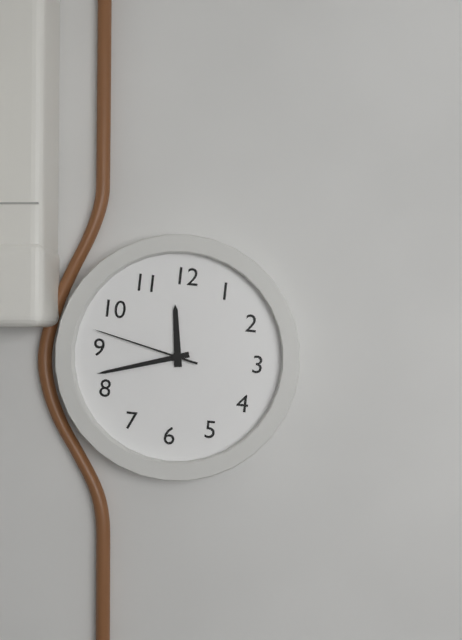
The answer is 11:42:47
